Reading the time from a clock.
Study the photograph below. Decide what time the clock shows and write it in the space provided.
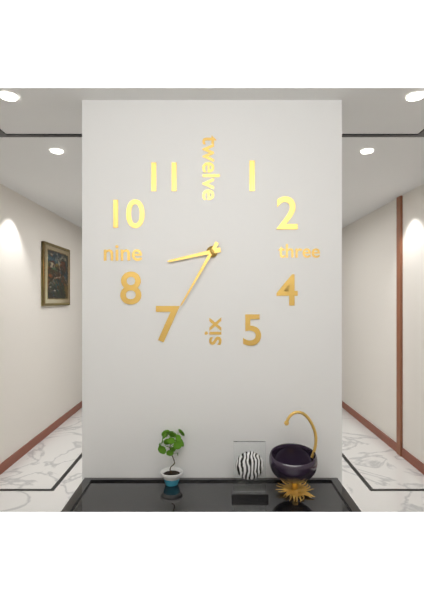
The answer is 8:35
